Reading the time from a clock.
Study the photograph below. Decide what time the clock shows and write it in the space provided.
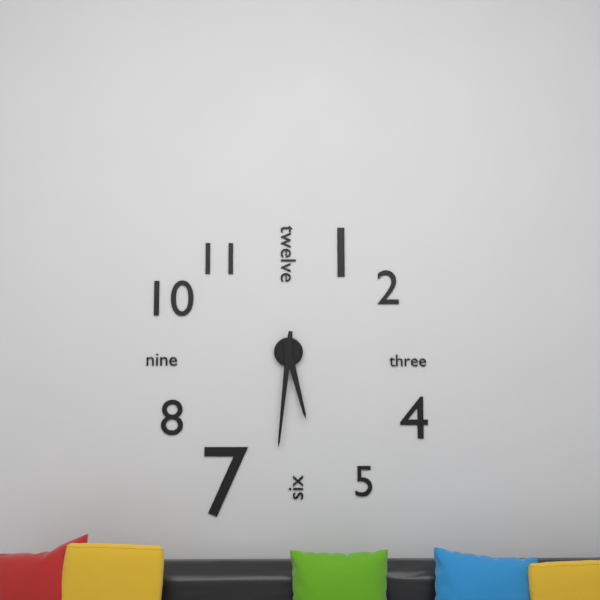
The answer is 5:31
